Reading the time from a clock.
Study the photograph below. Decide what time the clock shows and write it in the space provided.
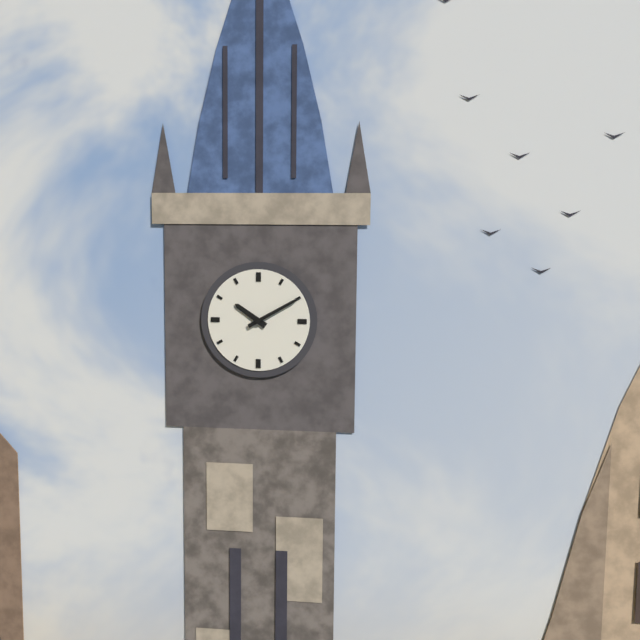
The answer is 10:10
